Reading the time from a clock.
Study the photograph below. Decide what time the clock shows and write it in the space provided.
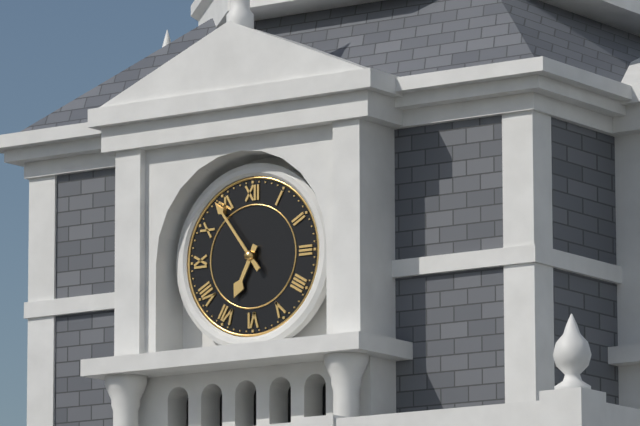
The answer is 6:54
